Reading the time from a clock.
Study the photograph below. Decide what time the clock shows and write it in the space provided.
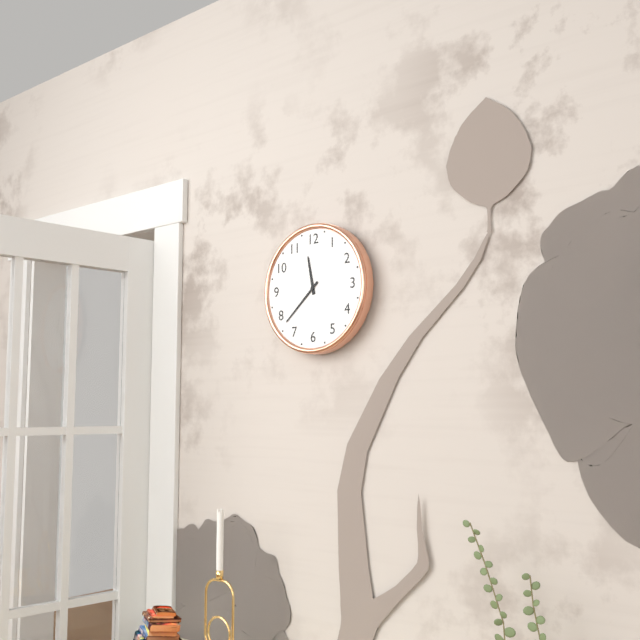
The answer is 11:38
